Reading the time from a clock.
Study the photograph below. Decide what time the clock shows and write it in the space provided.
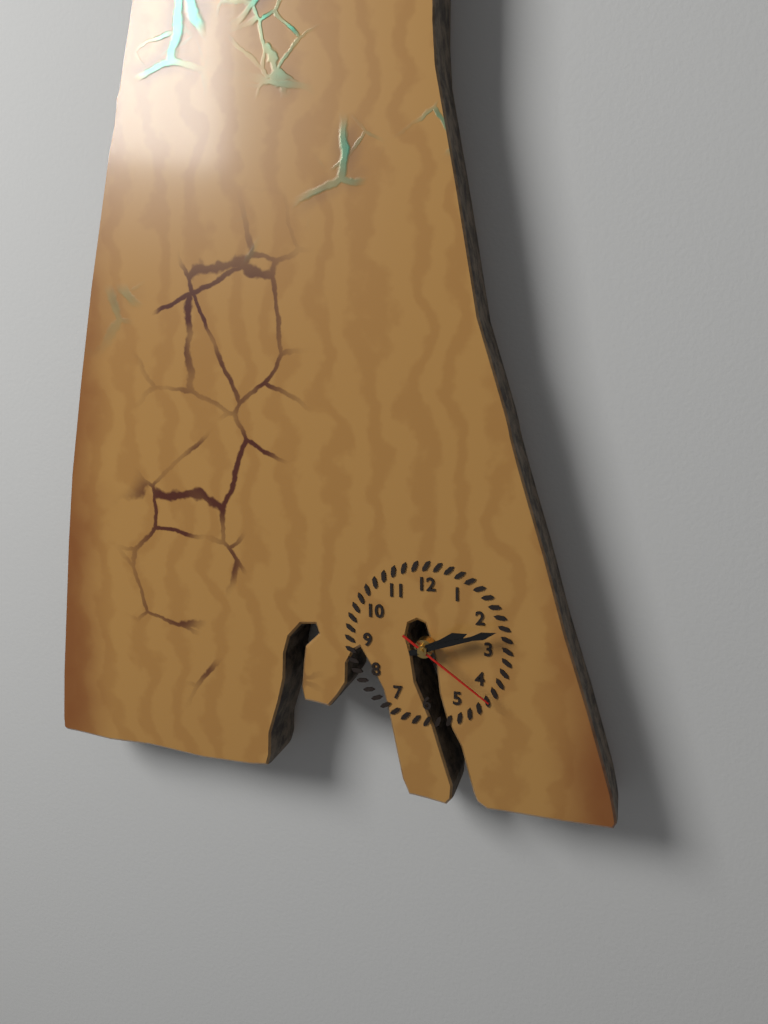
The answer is 2:12:21
